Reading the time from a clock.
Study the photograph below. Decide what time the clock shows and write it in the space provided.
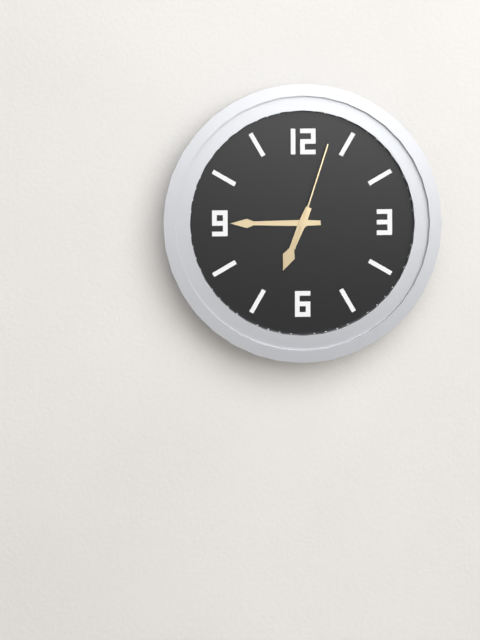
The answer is 6:45:03
